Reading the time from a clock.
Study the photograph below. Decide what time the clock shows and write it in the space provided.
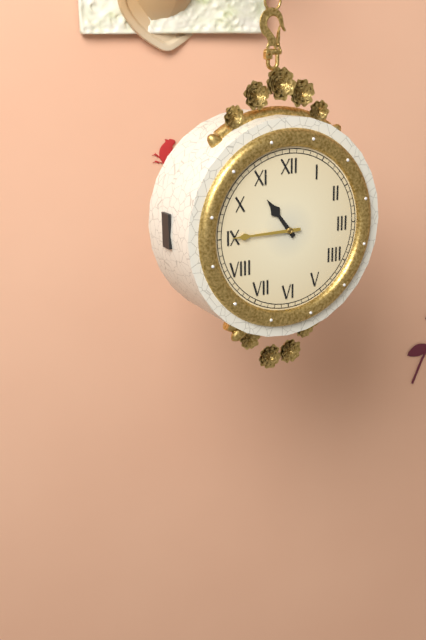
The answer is 10:45
